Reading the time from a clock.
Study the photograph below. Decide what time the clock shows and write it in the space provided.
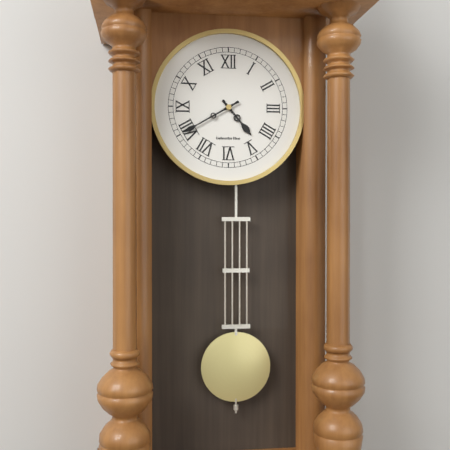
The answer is 4:40
